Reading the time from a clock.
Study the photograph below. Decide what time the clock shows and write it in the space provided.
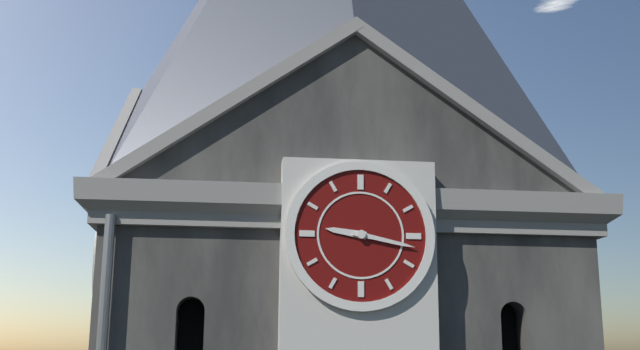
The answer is 9:17
